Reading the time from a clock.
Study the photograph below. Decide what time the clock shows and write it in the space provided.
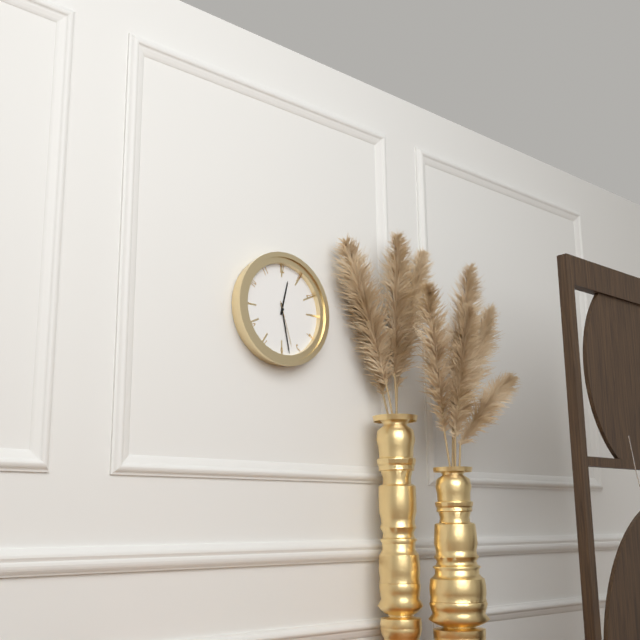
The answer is 12:28
